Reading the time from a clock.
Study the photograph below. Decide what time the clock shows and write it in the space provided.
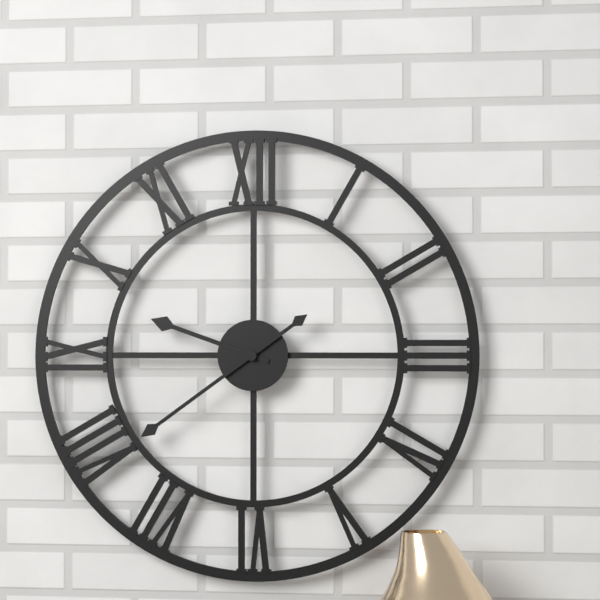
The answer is 9:39
